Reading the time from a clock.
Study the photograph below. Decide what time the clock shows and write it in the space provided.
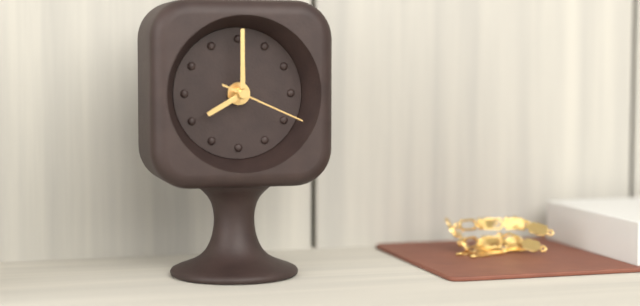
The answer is 8:00:19
